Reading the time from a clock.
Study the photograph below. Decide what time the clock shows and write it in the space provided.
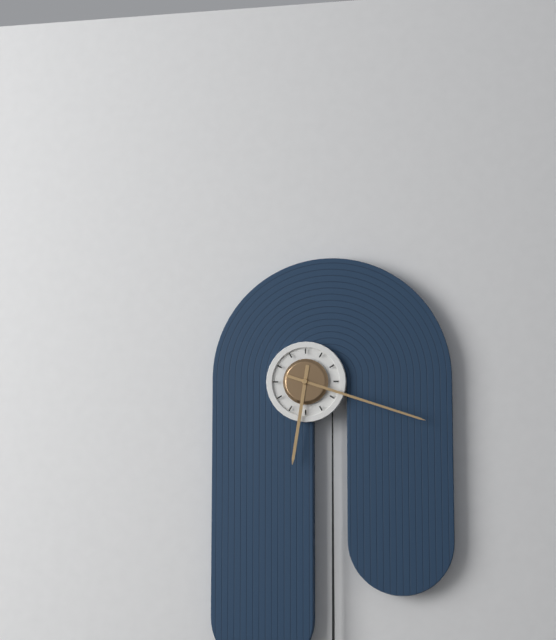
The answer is 6:18
